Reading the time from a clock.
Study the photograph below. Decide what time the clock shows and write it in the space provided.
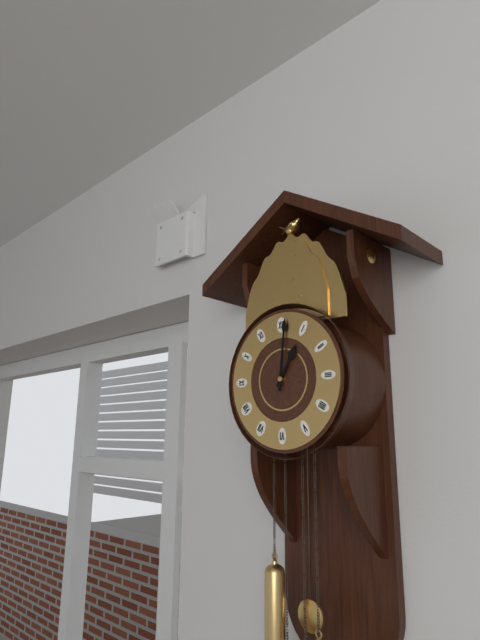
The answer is 1:01
